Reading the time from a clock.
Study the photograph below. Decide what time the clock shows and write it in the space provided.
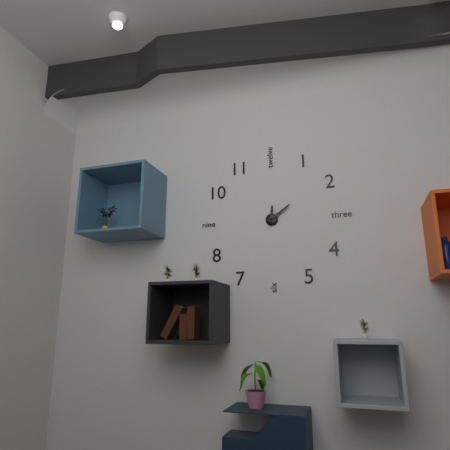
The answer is 12:09
